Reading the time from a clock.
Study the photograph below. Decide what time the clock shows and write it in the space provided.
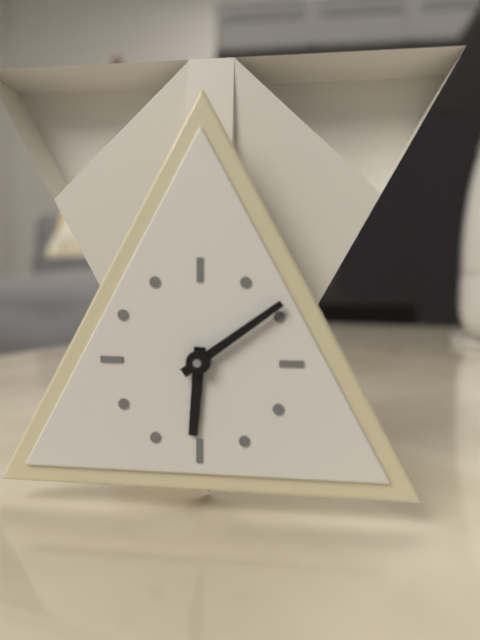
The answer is 6:09
